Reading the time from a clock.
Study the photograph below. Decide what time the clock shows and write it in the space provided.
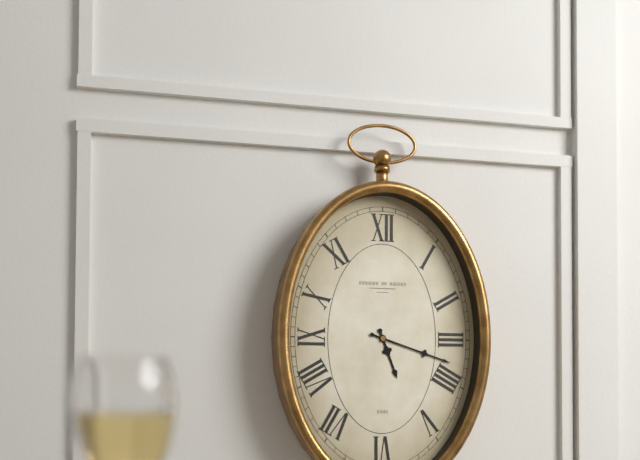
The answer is 5:18
